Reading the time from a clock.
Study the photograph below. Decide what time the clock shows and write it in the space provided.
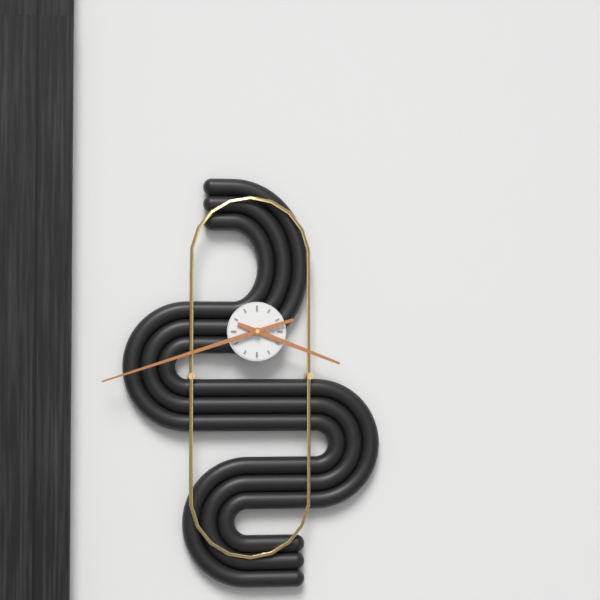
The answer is 3:42
